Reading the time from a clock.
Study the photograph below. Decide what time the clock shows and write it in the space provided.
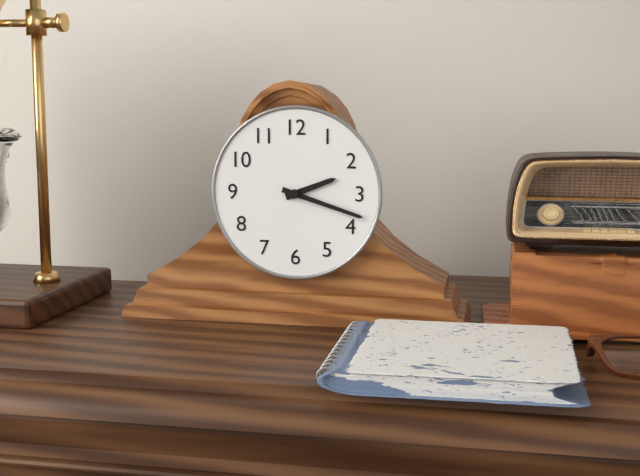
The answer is 2:18
